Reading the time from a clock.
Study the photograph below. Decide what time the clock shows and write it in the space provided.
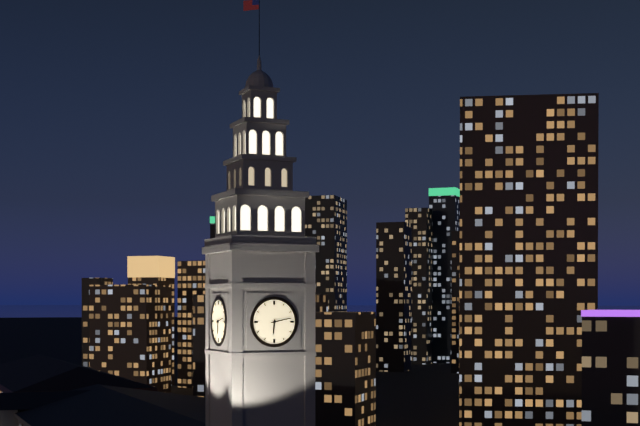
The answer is 6:13
